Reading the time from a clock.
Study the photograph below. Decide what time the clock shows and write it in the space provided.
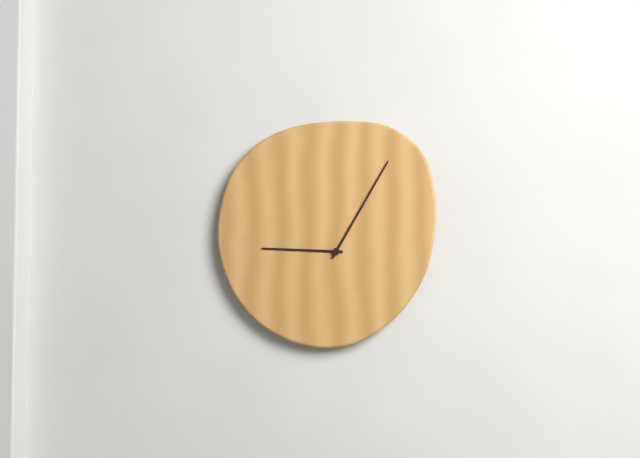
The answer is 9:05
